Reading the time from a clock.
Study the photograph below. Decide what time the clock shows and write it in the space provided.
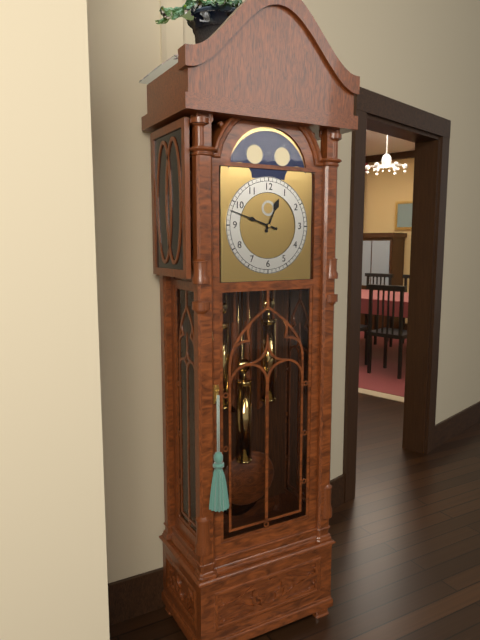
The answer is 12:48
